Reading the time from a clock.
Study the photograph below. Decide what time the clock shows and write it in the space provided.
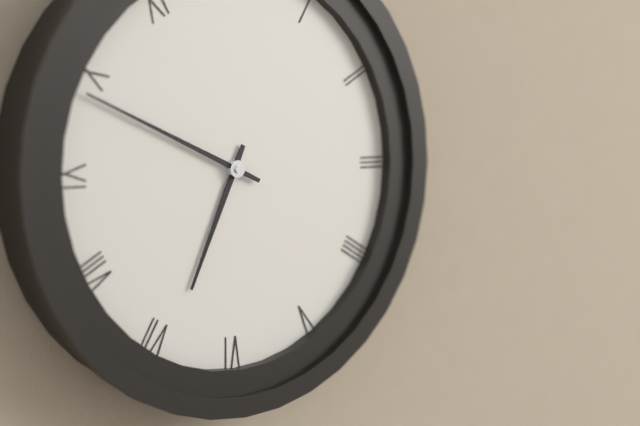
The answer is 6:49
